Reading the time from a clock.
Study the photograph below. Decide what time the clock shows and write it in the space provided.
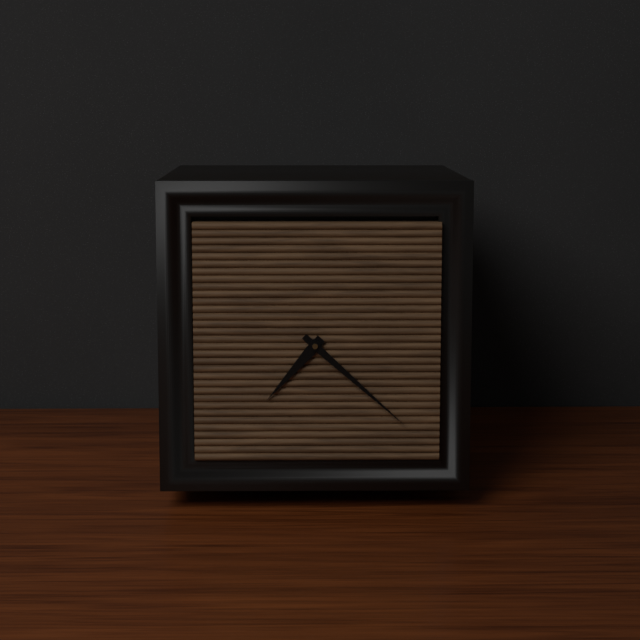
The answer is 7:22
